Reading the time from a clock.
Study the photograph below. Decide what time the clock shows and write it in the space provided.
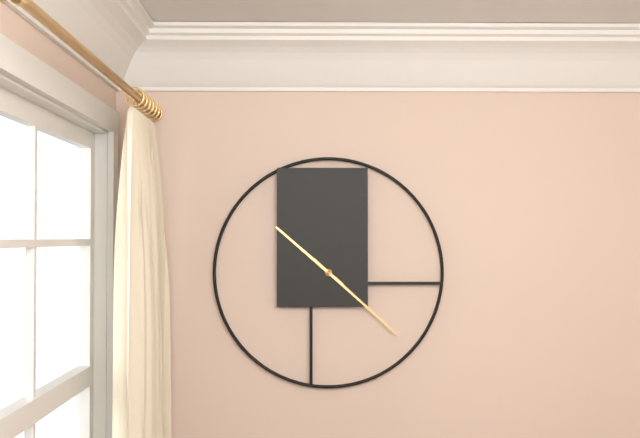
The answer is 10:22
